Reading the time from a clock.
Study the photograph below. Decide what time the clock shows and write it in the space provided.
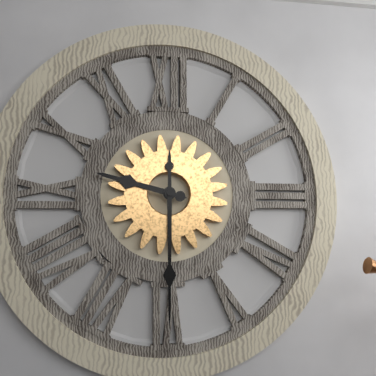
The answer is 9:30
